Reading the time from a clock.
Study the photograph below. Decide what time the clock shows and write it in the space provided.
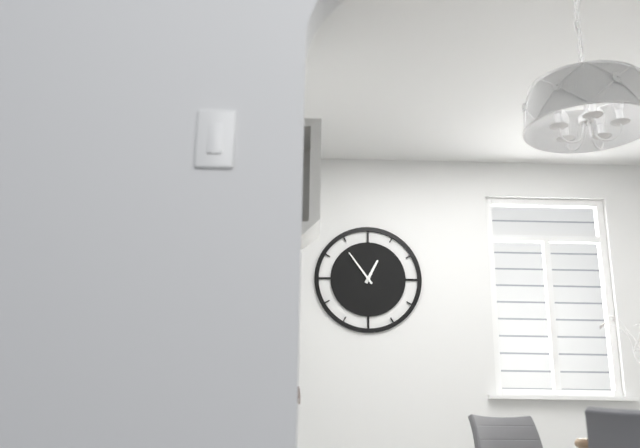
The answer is 12:54
